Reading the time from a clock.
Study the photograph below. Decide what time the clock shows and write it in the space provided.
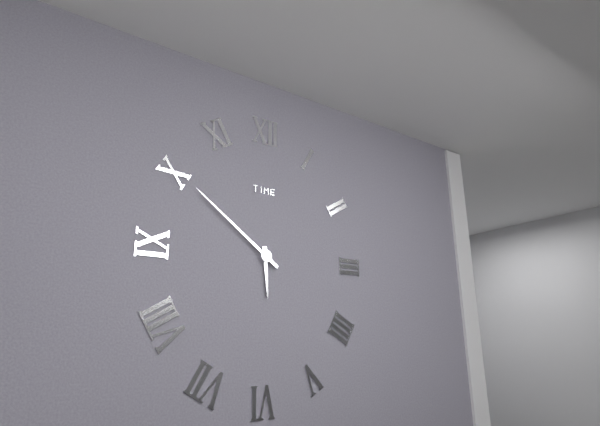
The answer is 5:51
